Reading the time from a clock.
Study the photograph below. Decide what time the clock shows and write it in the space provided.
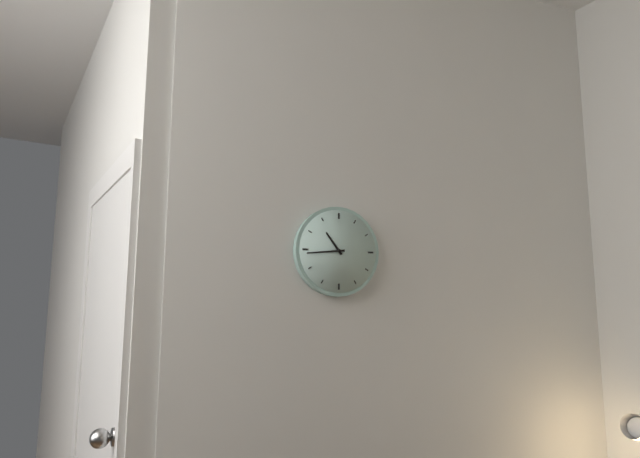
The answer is 10:44
